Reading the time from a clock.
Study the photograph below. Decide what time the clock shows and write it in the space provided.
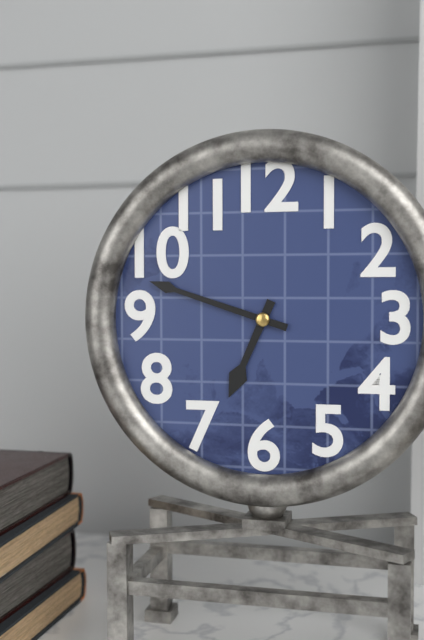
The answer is 6:48
